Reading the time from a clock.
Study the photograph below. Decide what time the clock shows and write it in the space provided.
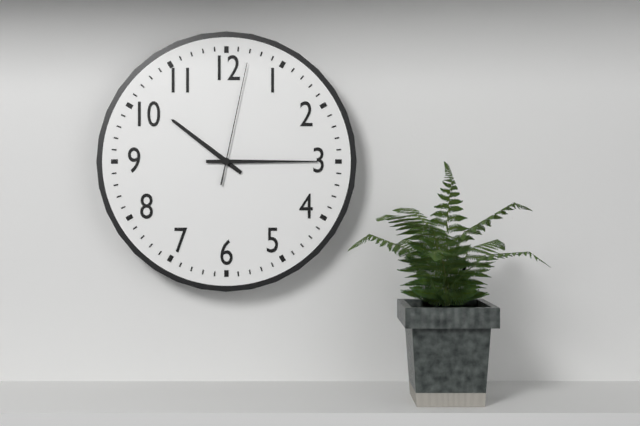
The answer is 10:15:02
